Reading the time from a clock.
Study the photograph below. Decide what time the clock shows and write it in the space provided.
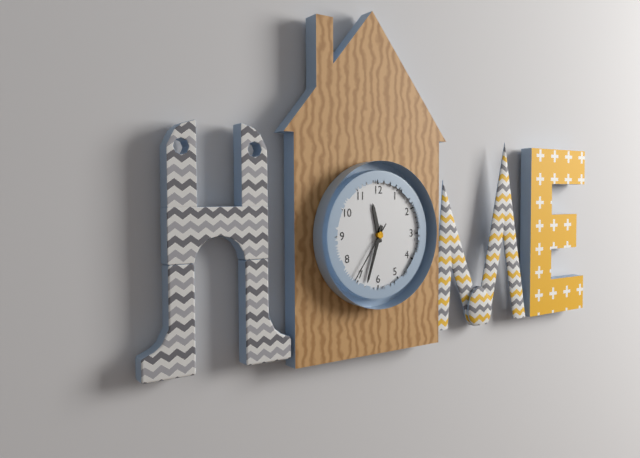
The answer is 11:33:36
